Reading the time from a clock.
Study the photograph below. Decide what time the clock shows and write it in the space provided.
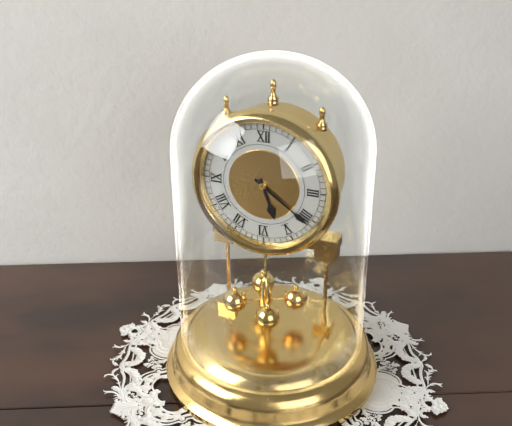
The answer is 5:21
